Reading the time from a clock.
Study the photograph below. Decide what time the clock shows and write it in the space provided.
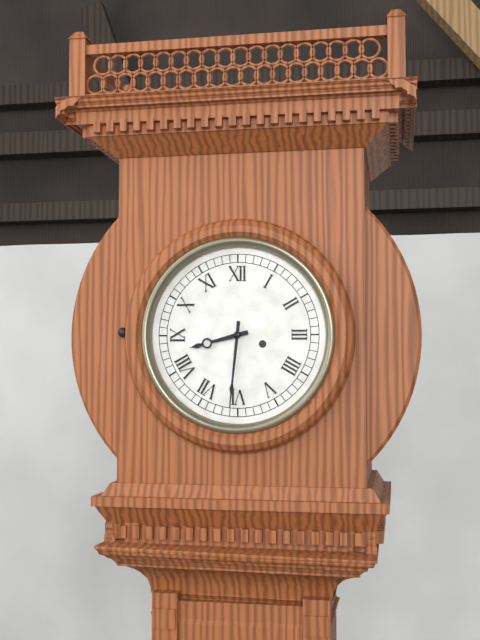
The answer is 8:31
